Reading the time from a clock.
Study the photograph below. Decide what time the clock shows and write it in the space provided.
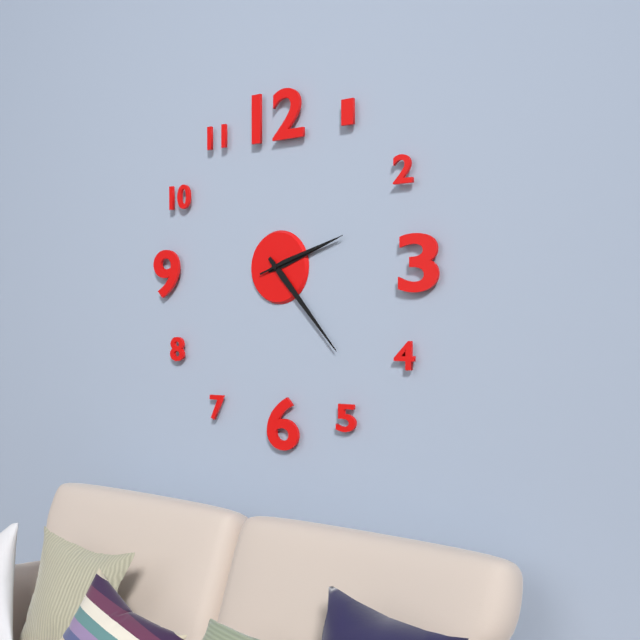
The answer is 2:23:12
